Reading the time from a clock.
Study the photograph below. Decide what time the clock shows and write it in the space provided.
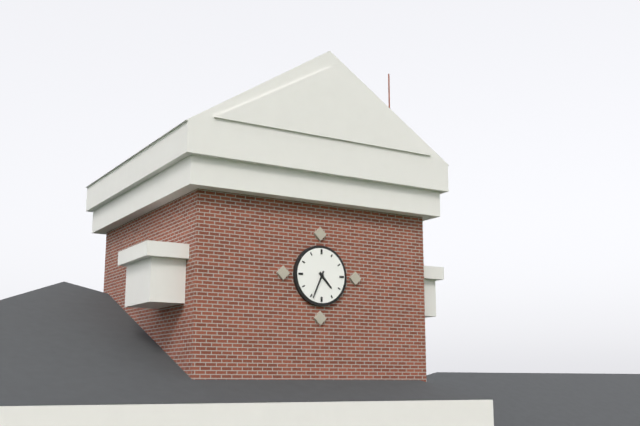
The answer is 4:34
